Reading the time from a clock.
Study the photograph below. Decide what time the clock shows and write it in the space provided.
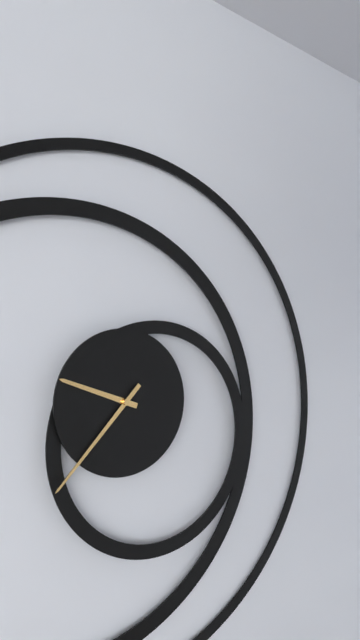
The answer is 9:37
